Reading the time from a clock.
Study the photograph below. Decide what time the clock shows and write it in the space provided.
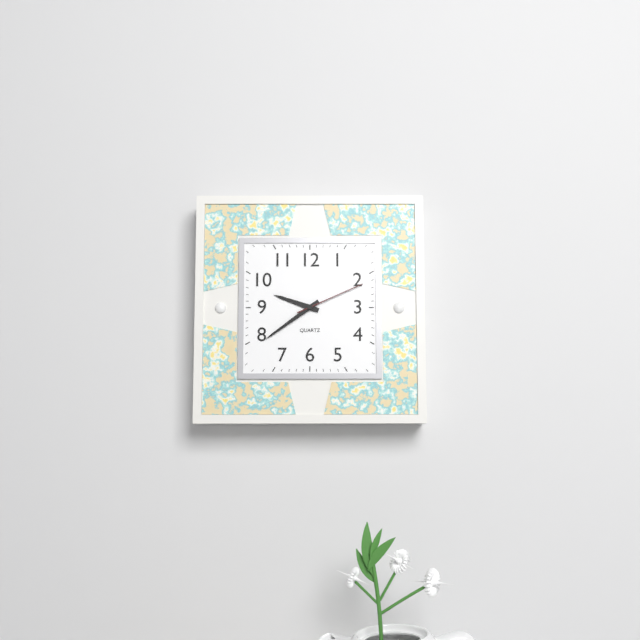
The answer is 9:39:11
